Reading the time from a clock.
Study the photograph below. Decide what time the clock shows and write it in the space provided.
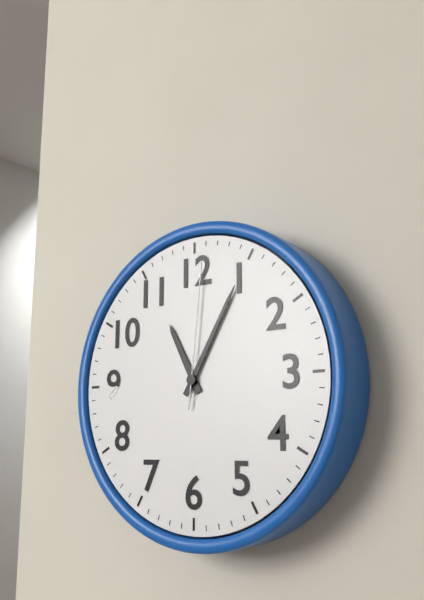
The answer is 11:05:01
